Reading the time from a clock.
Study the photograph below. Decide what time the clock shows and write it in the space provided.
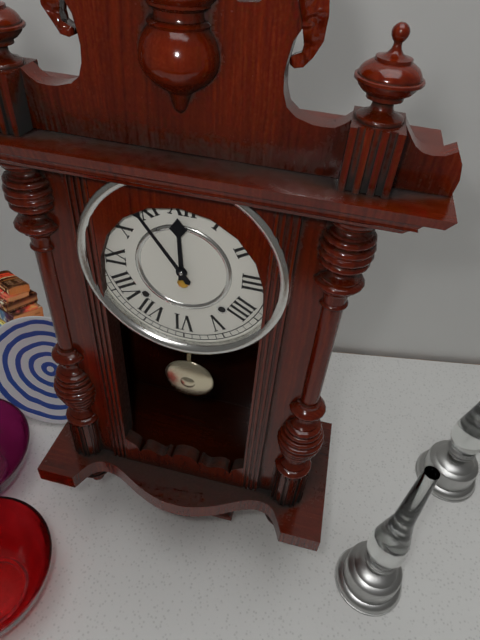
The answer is 11:54
